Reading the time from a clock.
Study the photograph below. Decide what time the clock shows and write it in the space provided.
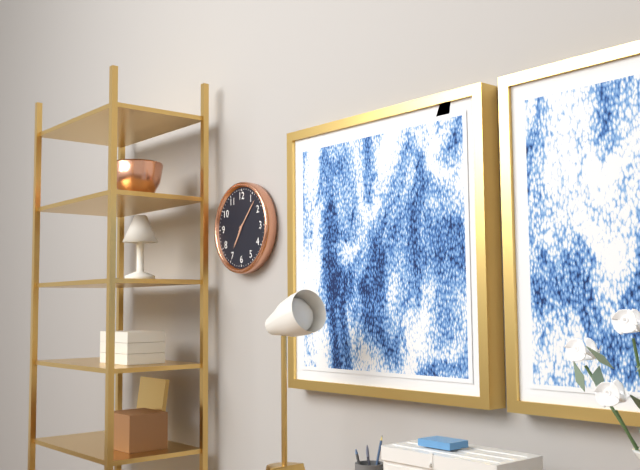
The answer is 7:07
